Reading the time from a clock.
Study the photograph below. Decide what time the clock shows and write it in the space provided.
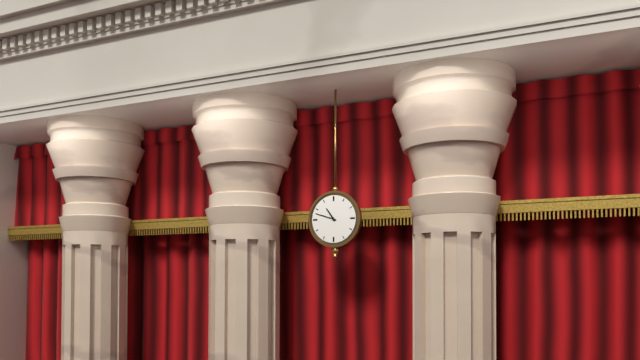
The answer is 10:48
